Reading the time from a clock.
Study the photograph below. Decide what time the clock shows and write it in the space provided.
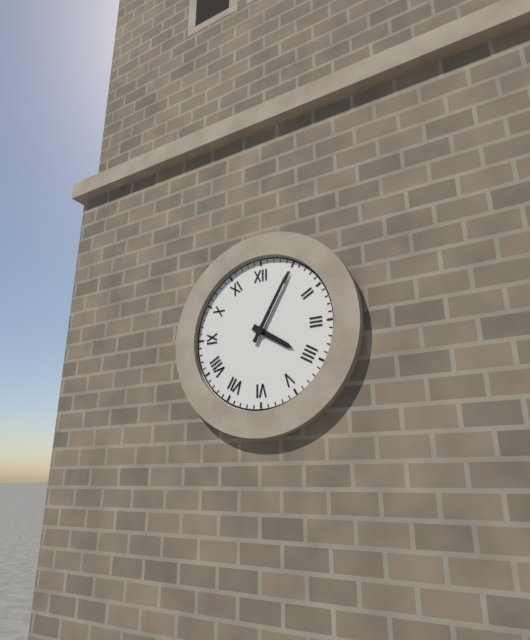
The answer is 4:05
